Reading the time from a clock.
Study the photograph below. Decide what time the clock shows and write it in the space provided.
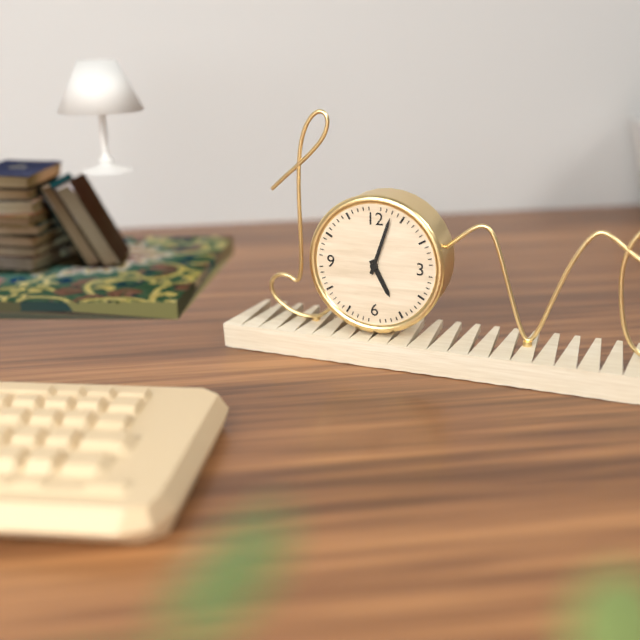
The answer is 5:03
